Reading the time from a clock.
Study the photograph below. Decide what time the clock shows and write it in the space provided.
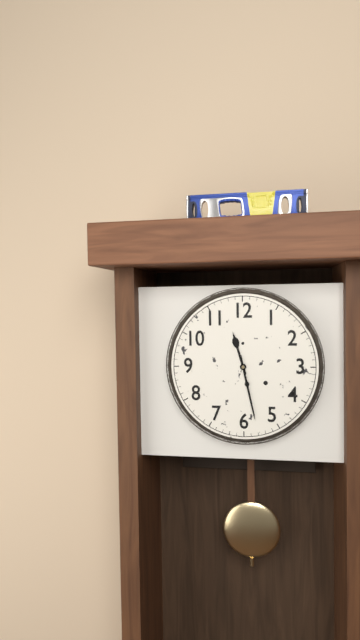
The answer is 11:28
